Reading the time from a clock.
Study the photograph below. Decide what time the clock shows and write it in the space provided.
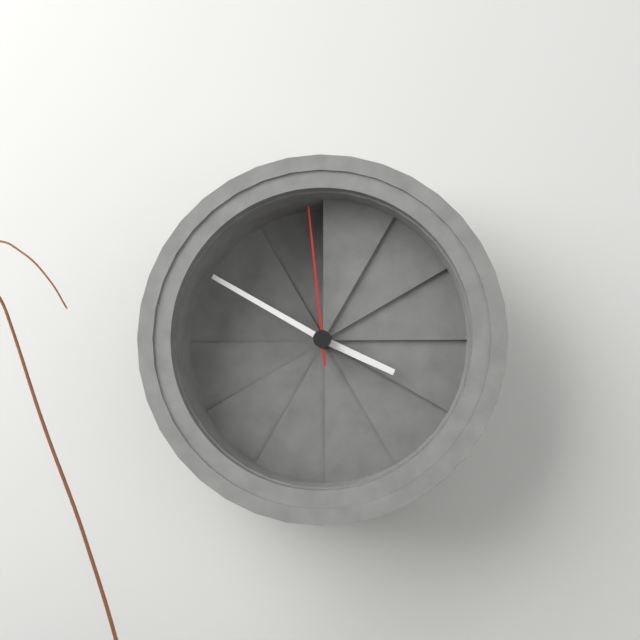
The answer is 3:50:59
